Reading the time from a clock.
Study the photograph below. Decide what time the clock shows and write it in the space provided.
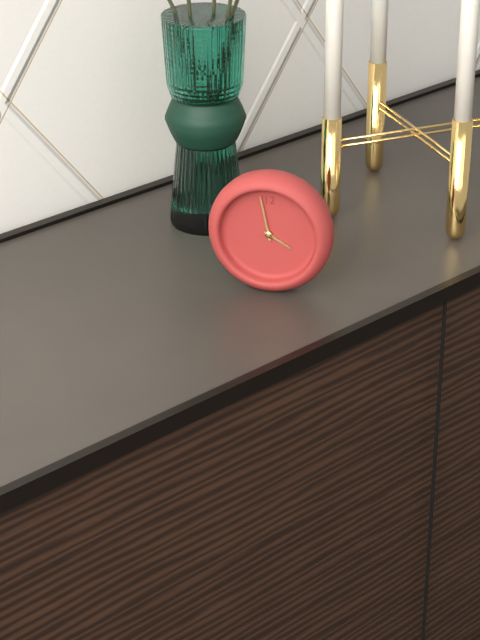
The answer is 3:58
